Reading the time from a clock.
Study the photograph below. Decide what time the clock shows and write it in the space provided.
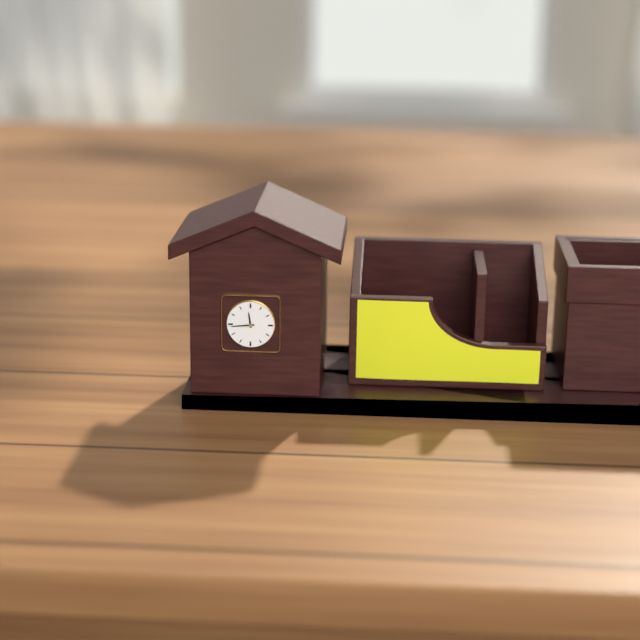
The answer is 11:44
